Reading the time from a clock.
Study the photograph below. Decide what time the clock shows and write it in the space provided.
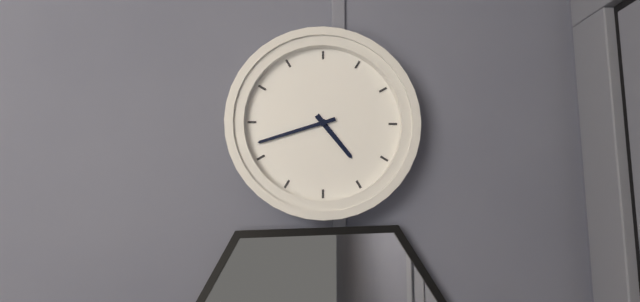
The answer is 4:42
